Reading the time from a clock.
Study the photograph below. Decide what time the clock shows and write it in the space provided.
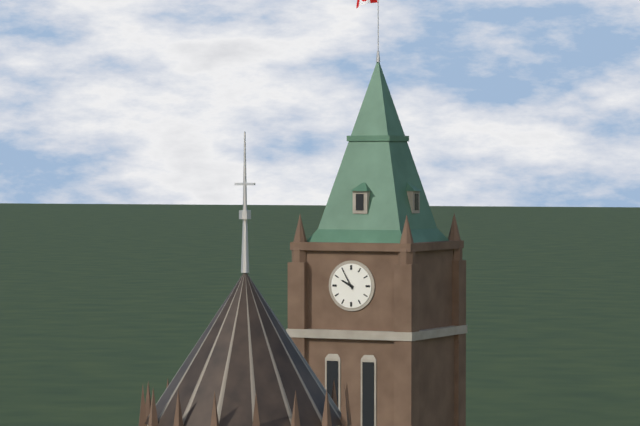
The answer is 9:55
